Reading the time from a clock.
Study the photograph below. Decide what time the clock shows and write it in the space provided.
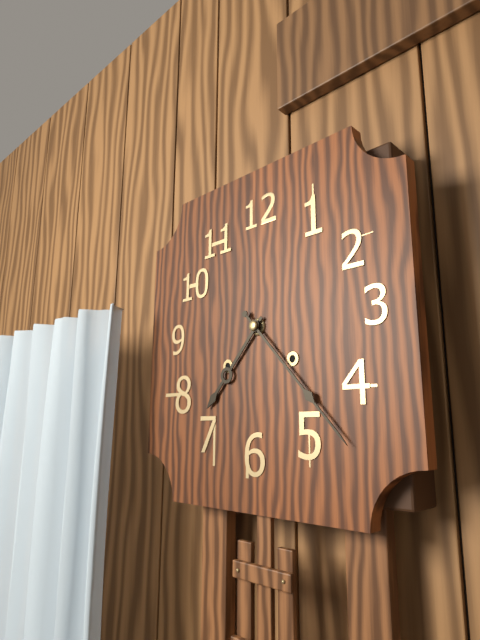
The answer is 7:23
